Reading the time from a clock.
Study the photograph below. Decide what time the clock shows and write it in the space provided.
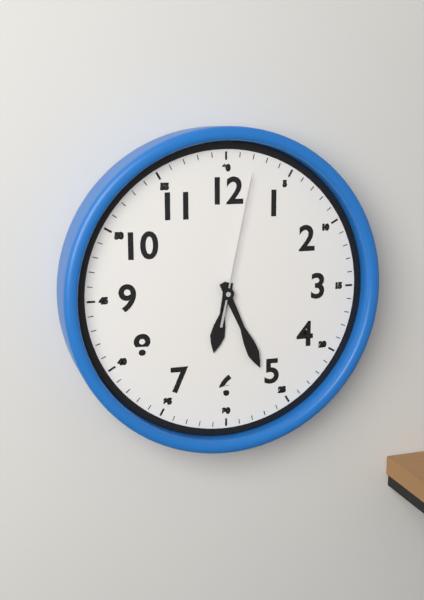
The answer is 6:26:02
